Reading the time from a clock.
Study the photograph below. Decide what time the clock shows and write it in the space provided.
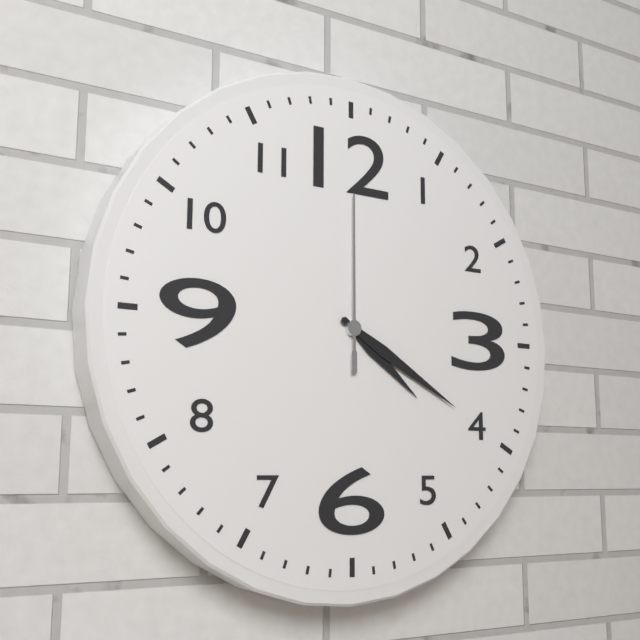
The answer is 4:20:00
